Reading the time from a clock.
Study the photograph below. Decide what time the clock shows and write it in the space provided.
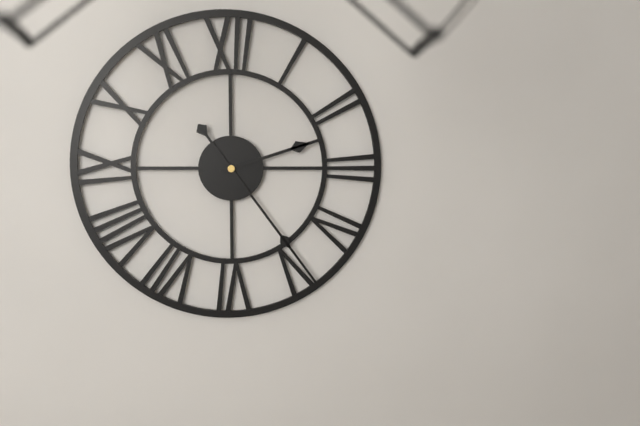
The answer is 2:24
